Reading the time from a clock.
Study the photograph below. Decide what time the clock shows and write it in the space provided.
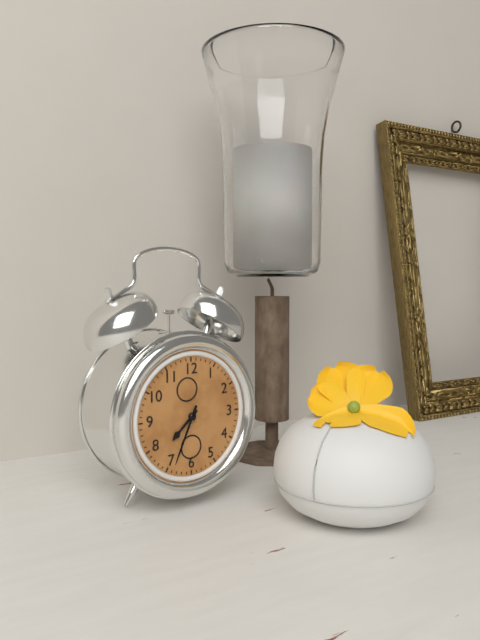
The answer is 7:34
